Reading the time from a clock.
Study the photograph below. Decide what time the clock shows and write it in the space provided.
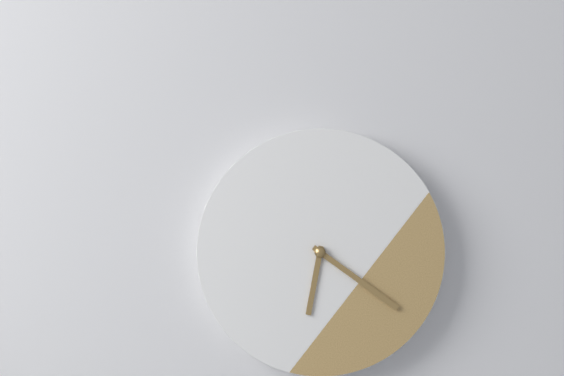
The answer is 6:21
